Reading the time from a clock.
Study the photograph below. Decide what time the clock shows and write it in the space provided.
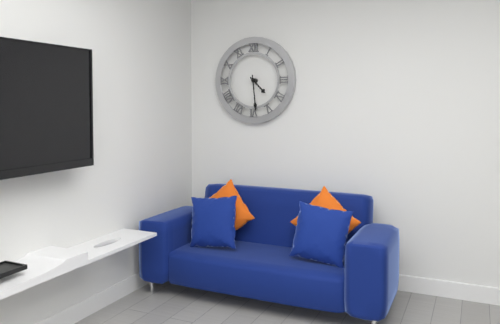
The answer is 4:29
